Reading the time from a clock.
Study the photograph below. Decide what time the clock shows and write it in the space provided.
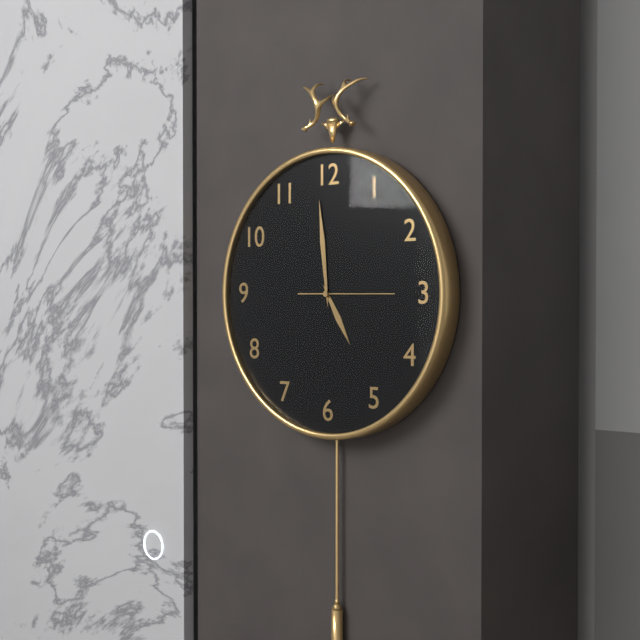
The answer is 4:59:15
